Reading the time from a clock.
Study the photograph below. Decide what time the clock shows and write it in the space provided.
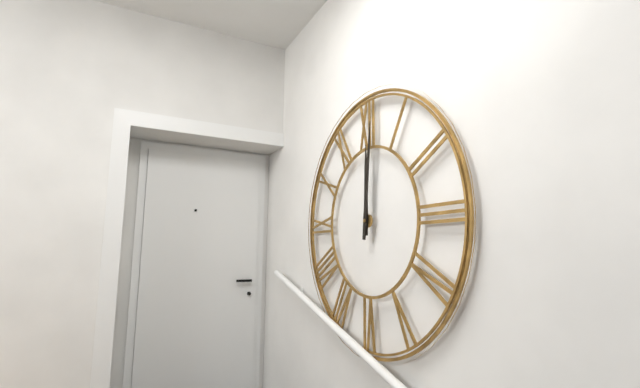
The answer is 12:01
